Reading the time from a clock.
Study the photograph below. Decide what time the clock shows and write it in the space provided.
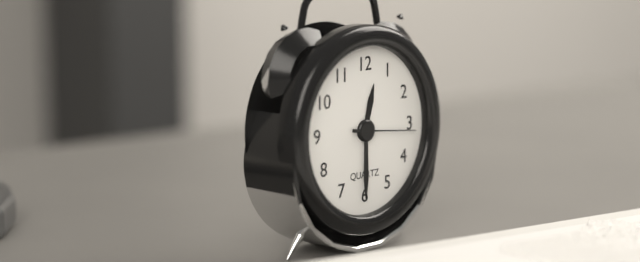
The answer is 12:30:16
